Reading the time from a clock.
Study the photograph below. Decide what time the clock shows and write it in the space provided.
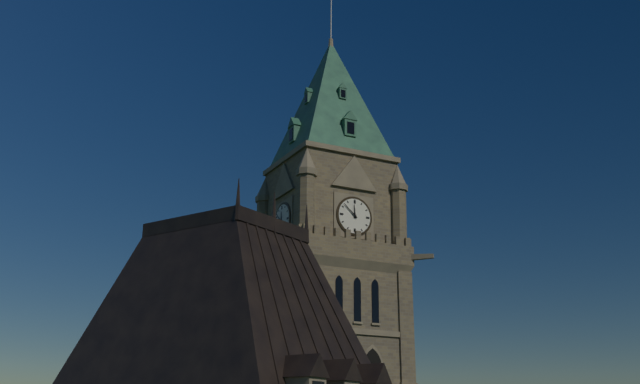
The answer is 11:52
